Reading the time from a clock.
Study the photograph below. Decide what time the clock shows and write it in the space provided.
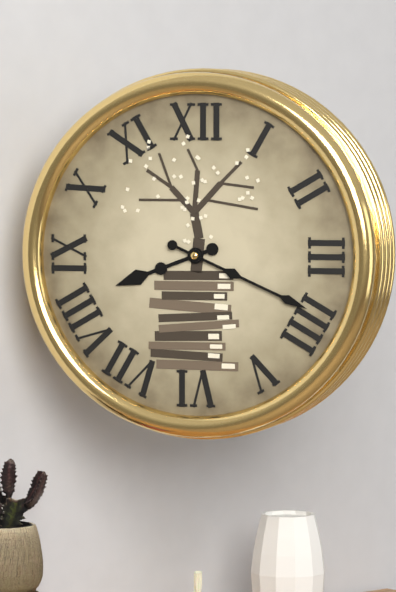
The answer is 8:19
